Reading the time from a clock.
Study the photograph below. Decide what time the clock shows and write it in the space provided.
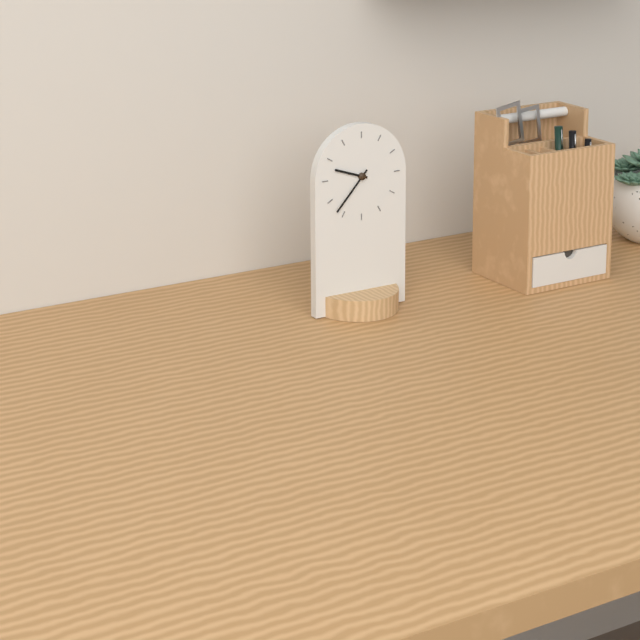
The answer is 9:37
